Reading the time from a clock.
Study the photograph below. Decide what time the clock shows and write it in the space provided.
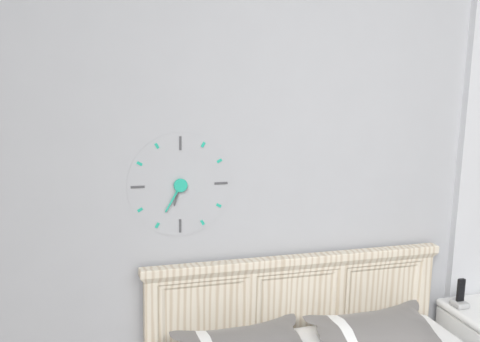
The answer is 6:35
